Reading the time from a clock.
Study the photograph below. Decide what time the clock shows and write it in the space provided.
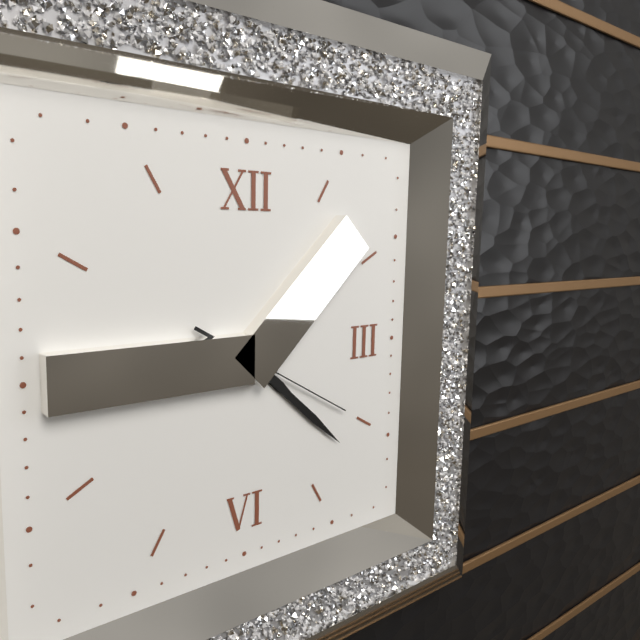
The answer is 4:22:20
